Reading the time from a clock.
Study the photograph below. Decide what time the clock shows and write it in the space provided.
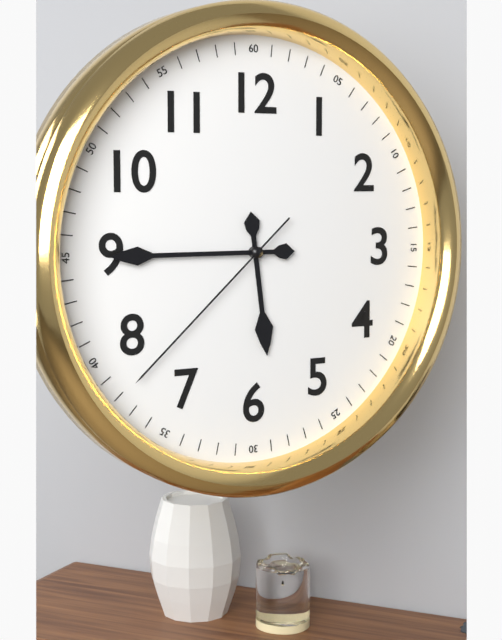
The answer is 5:45:38
